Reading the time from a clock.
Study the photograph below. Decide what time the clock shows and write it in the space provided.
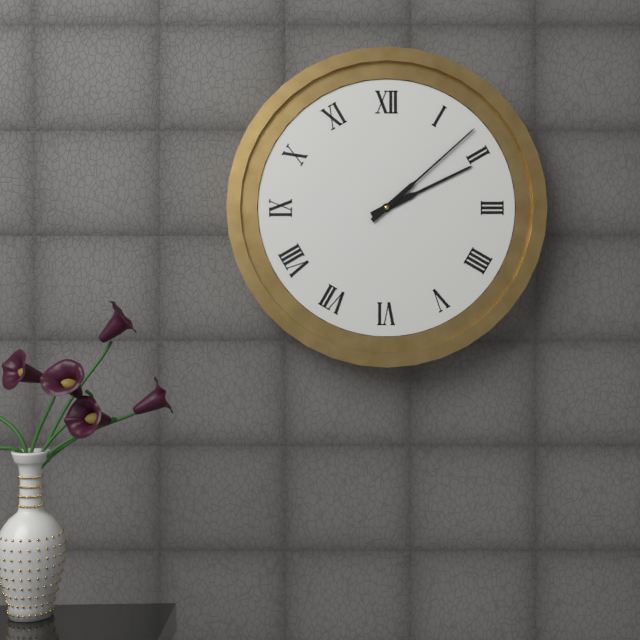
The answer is 2:08
